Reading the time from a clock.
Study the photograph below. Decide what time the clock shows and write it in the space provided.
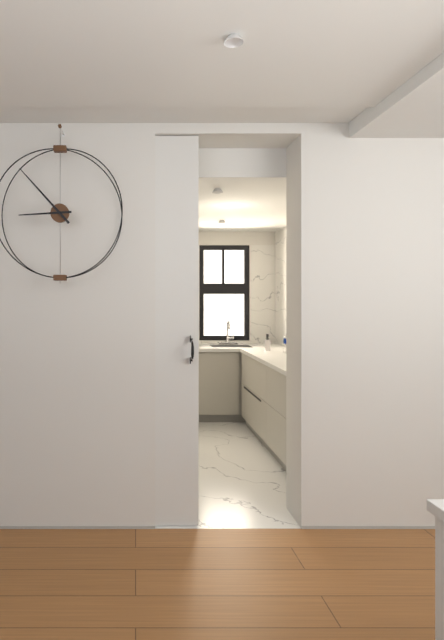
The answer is 8:53
